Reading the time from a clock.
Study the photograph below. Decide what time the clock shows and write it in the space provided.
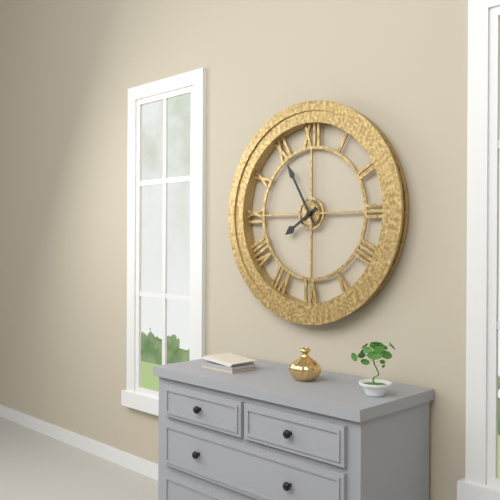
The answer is 7:55
